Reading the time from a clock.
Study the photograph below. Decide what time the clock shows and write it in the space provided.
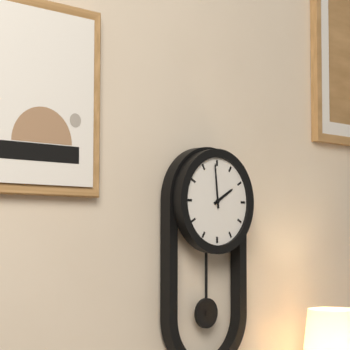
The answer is 1:59
